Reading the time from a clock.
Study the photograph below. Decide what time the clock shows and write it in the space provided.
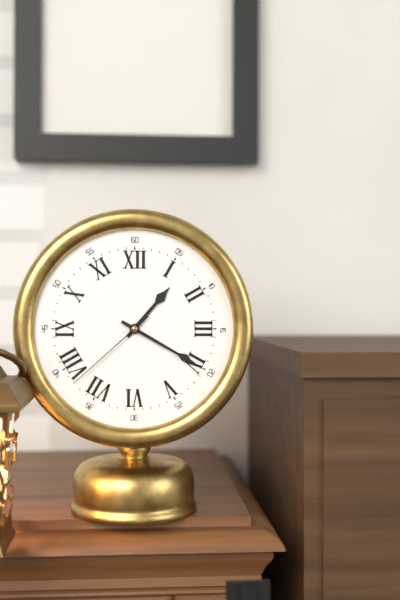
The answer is 1:20:38
